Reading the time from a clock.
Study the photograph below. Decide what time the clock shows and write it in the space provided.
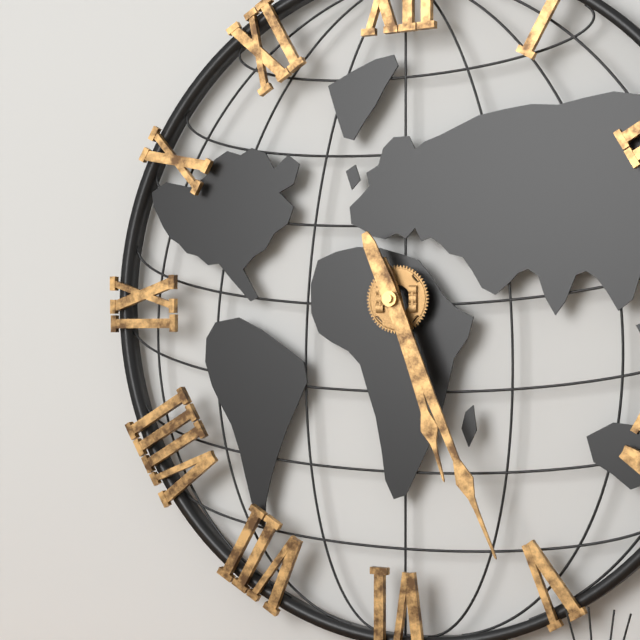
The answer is 5:26
